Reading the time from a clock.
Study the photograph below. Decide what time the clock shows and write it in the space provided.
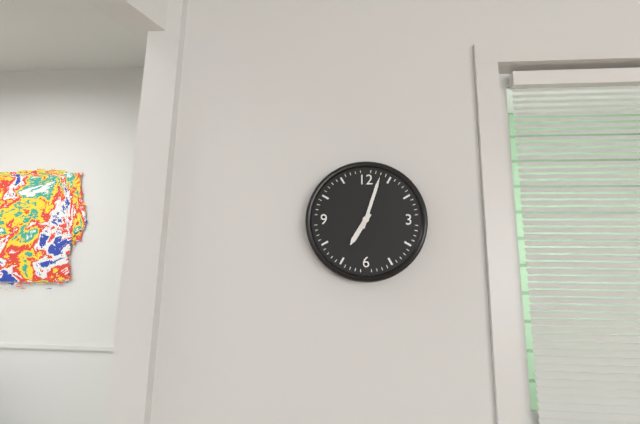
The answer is 7:03
